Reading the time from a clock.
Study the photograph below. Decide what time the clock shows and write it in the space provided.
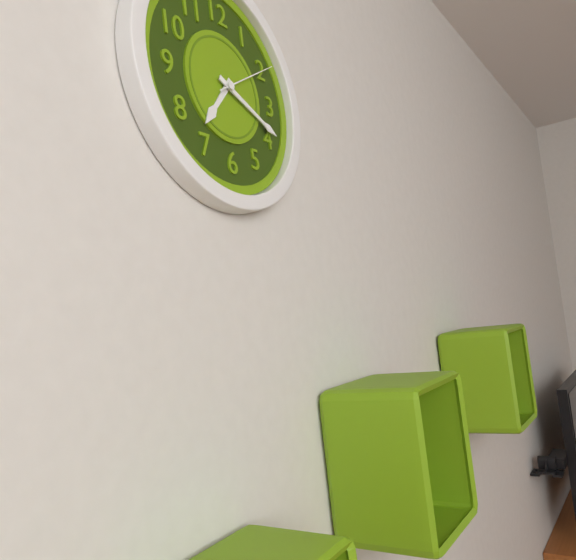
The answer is 7:19:10
